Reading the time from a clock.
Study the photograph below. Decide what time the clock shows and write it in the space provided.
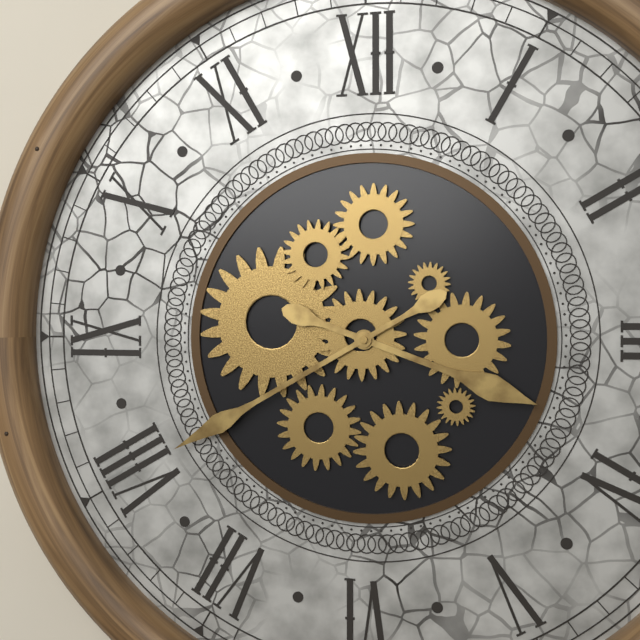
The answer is 3:40
